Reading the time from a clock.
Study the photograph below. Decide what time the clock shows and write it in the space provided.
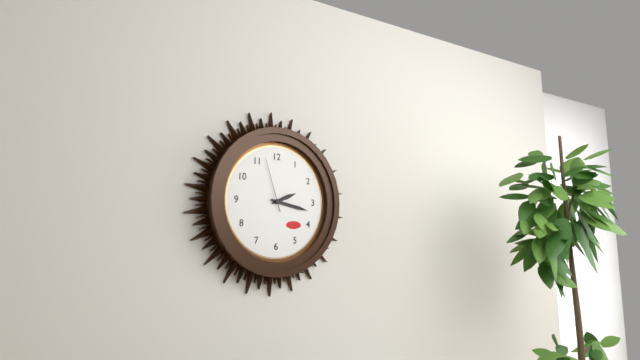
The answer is 2:17:57
